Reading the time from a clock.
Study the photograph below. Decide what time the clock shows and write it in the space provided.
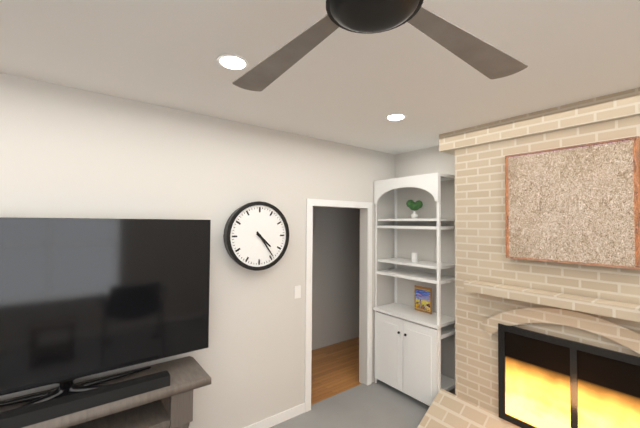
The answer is 4:24
